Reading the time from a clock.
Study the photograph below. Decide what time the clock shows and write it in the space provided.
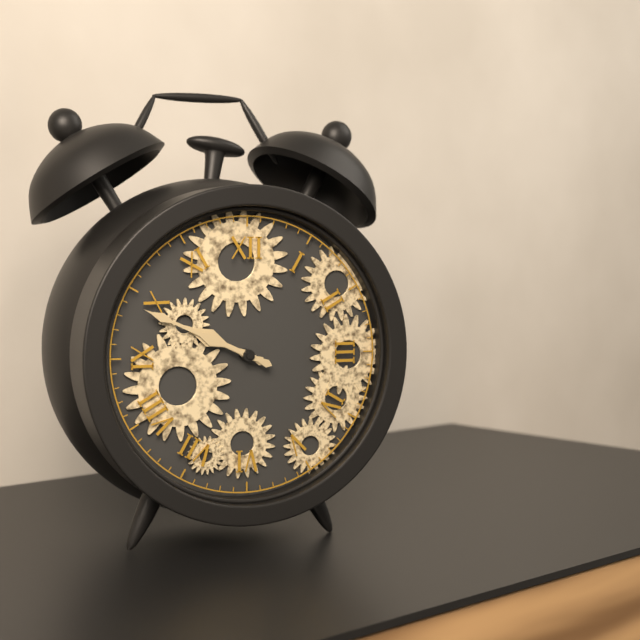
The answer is 9:49
